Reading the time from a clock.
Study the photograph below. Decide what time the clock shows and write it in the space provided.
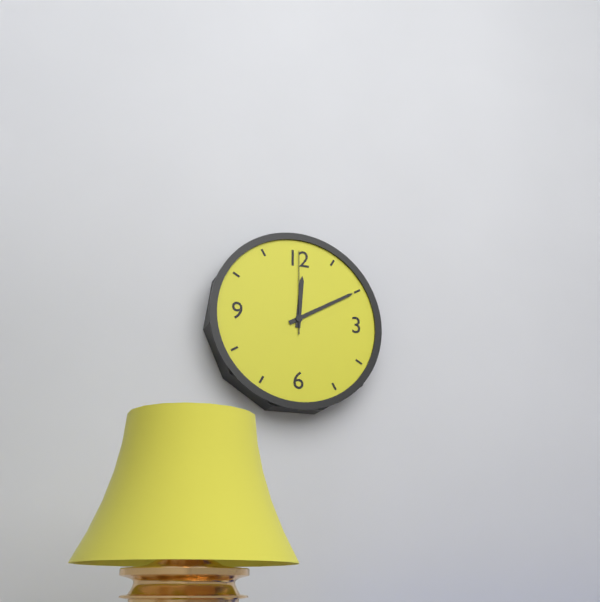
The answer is 12:10:00
